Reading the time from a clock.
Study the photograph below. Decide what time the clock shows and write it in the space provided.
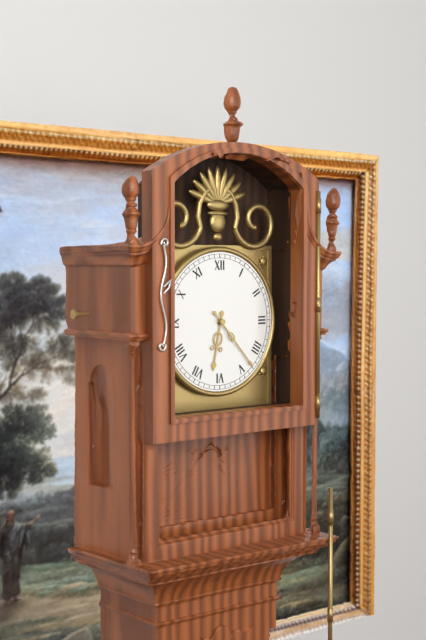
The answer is 6:23
